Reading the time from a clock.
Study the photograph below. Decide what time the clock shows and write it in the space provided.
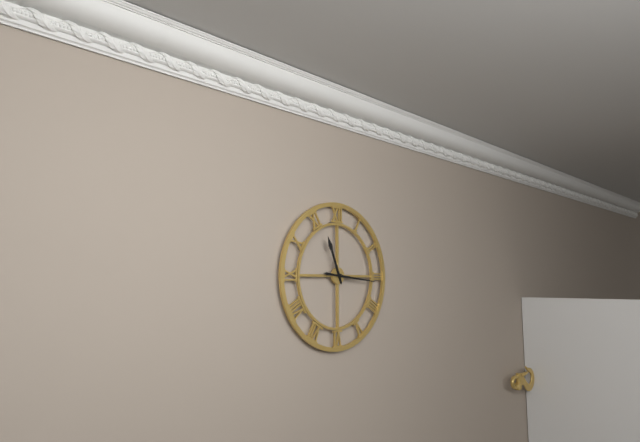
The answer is 11:16
